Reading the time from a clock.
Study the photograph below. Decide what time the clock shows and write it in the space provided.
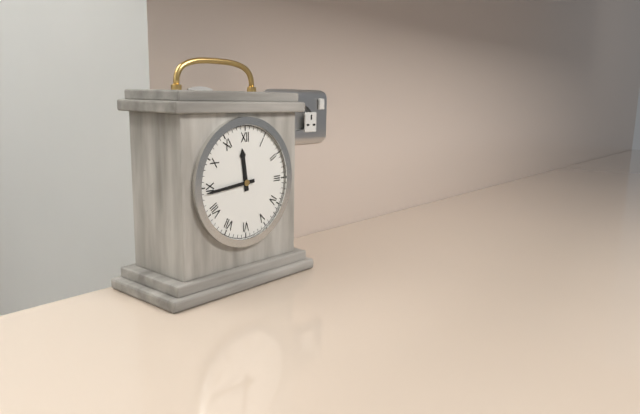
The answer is 11:44
